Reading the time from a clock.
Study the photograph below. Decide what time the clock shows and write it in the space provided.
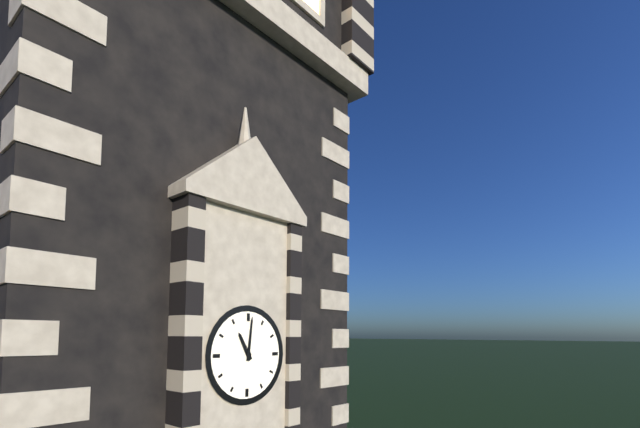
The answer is 11:01
